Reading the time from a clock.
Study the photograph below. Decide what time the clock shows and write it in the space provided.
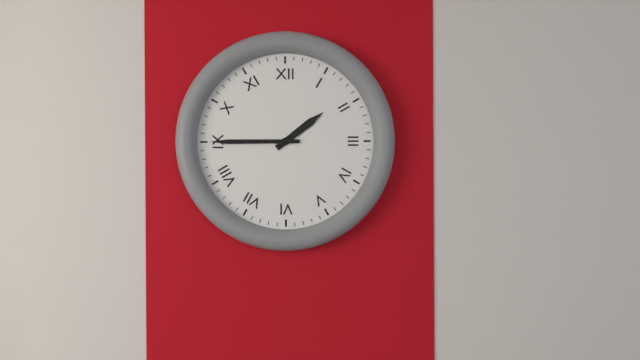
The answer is 1:45
